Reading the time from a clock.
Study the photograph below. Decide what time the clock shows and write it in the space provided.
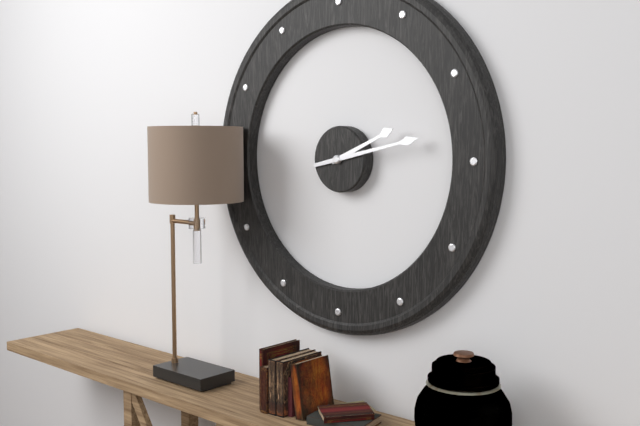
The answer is 2:13
